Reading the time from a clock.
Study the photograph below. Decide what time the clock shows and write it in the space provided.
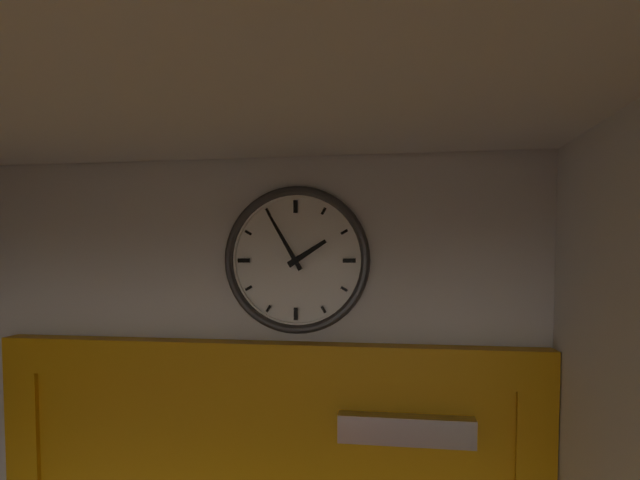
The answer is 1:55
